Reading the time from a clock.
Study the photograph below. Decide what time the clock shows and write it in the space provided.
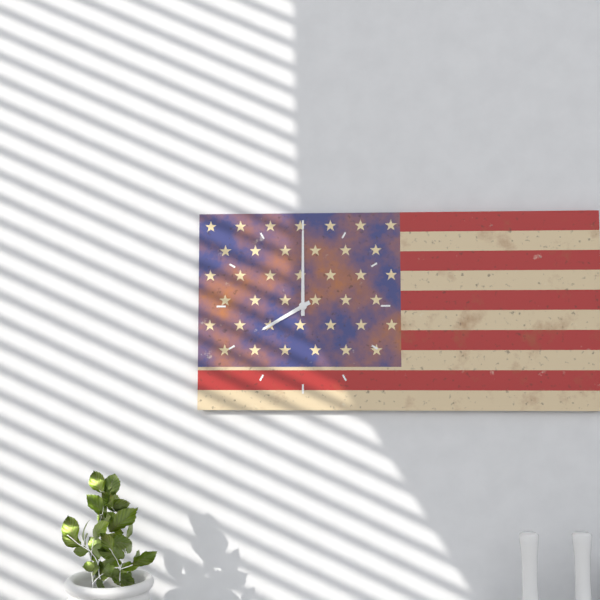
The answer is 8:00
